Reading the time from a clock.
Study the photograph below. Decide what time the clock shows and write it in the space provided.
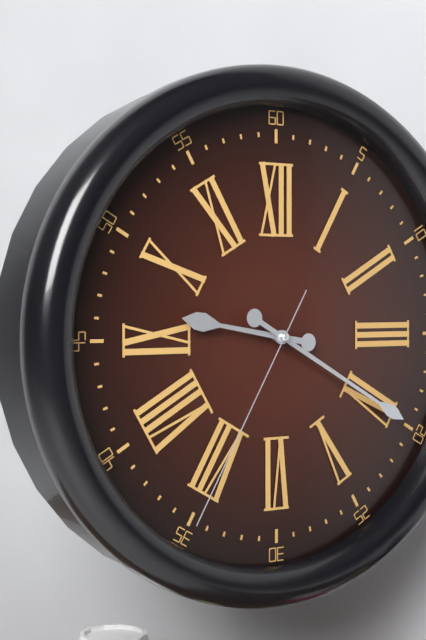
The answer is 9:20:35
